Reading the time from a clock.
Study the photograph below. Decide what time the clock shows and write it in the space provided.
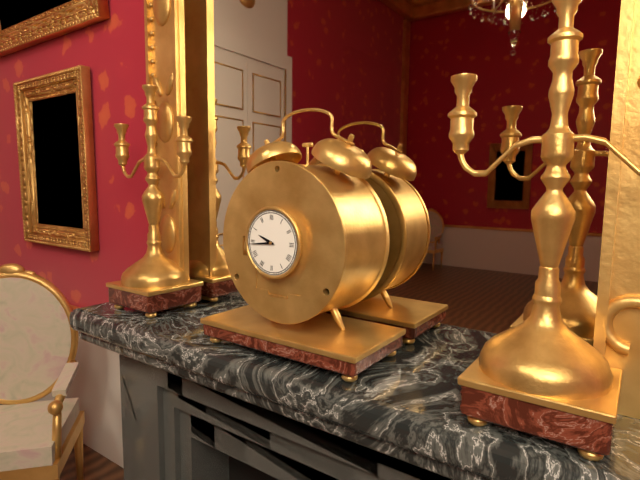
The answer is 9:44
